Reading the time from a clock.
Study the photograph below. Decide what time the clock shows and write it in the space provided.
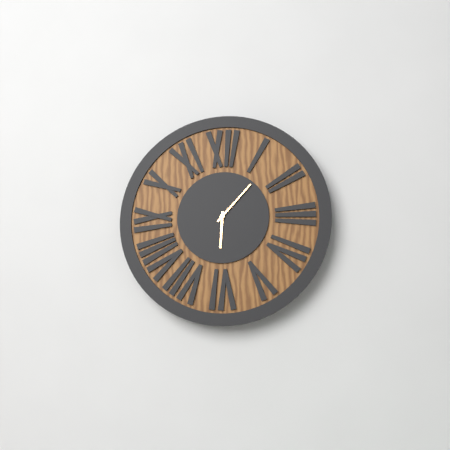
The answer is 6:07
